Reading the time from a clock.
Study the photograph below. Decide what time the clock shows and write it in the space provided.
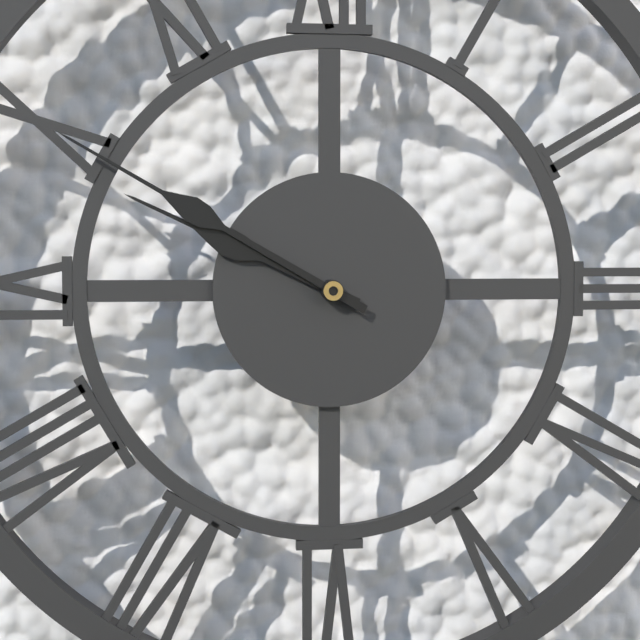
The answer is 9:50
